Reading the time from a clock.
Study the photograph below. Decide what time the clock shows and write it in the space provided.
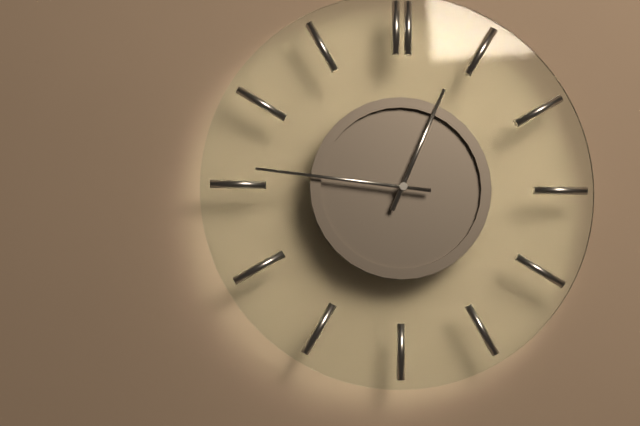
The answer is 12:46
